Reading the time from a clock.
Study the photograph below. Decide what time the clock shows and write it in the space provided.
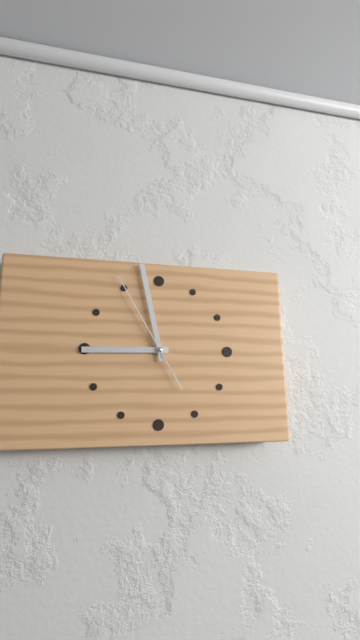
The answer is 8:58:55
